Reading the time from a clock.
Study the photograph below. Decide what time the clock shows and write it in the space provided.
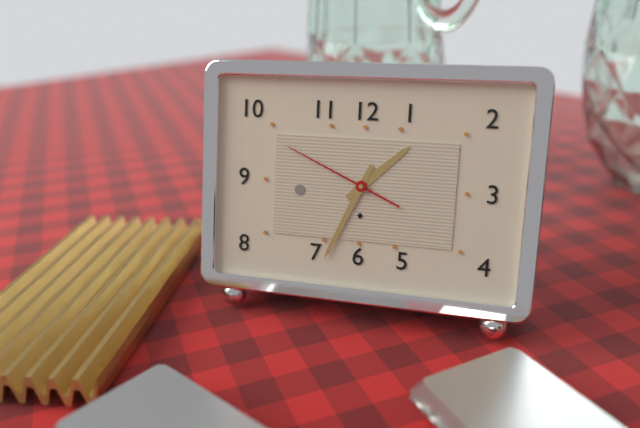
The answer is 1:34:49
